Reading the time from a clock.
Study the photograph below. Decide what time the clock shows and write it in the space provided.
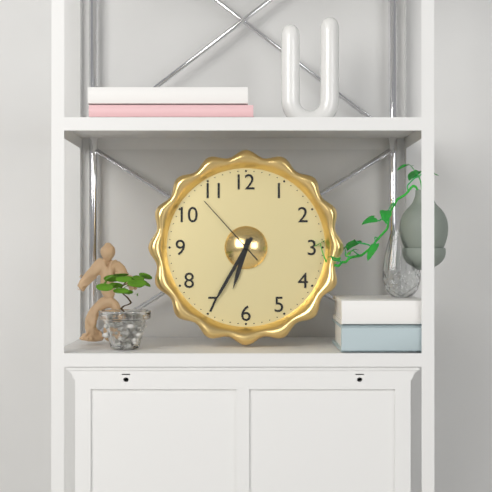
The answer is 6:35:53
